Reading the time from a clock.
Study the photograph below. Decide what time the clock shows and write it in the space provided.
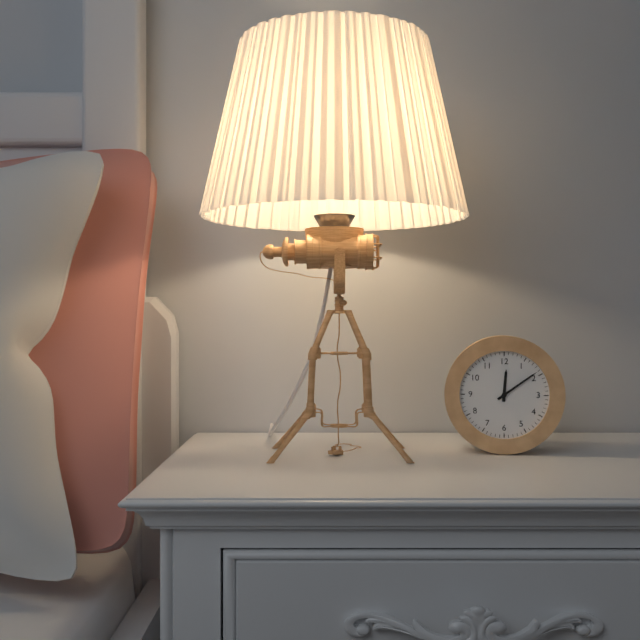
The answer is 12:09
